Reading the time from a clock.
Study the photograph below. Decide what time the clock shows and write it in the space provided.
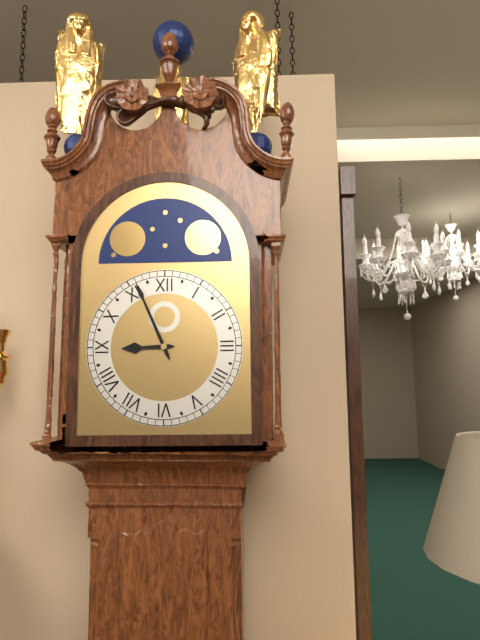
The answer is 8:56
